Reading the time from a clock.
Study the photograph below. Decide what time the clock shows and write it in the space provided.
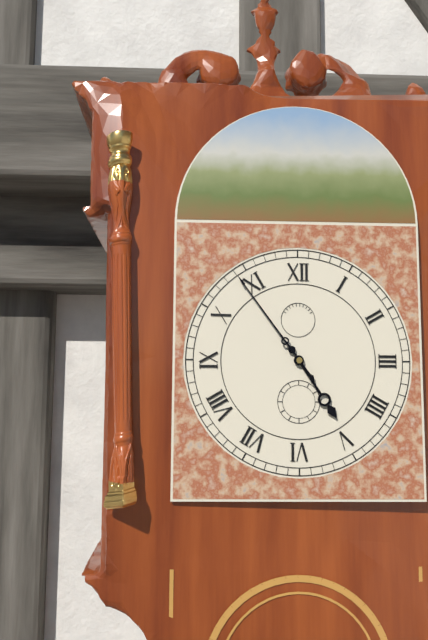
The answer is 4:54
